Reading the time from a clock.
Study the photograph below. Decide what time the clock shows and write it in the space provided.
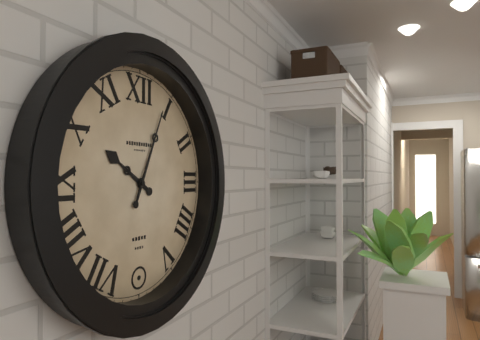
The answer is 10:04
